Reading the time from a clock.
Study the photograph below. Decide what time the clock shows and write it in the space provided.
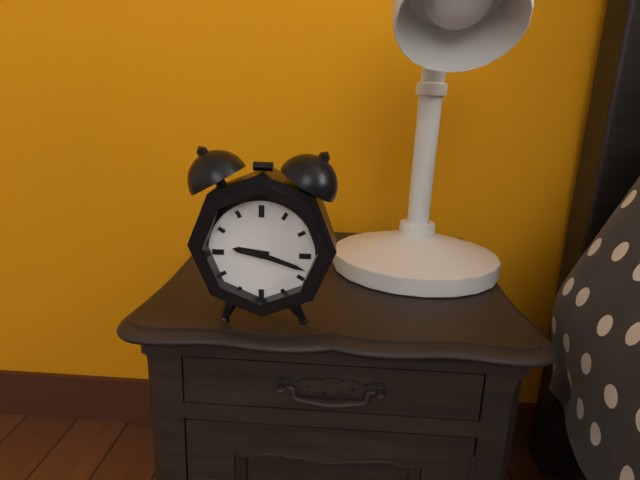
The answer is 9:18
